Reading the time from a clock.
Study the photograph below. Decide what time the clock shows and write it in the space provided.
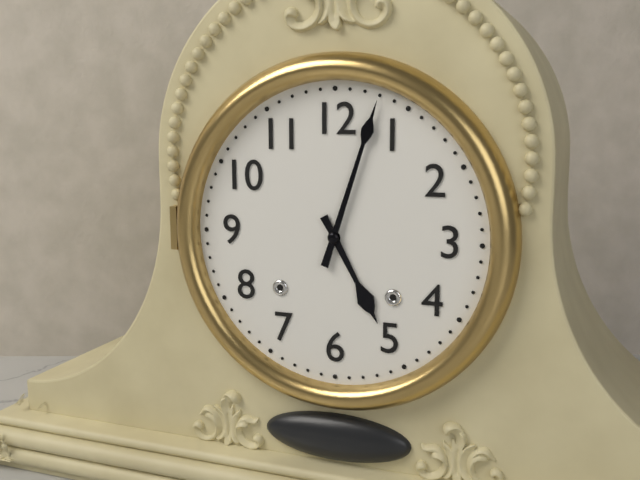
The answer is 5:03
